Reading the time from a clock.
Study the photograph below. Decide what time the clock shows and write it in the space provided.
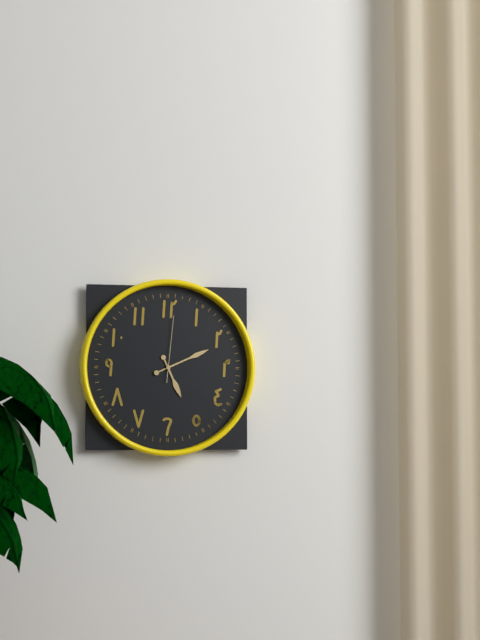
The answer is 5:11:01
